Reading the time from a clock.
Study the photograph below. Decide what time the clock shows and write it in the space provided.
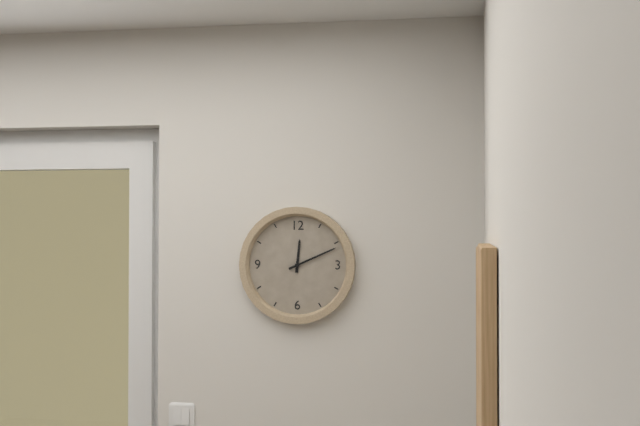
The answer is 12:11
